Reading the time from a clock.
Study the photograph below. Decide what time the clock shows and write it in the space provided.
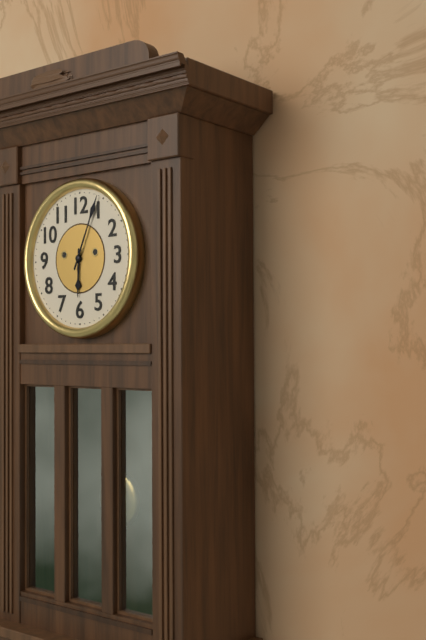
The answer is 6:04
